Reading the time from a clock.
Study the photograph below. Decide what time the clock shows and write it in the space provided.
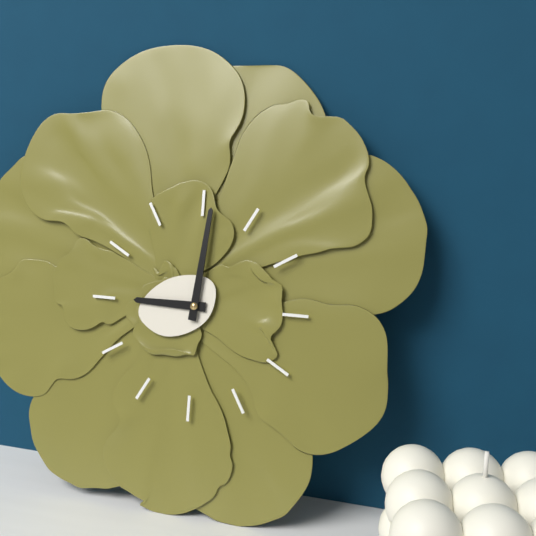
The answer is 9:01
